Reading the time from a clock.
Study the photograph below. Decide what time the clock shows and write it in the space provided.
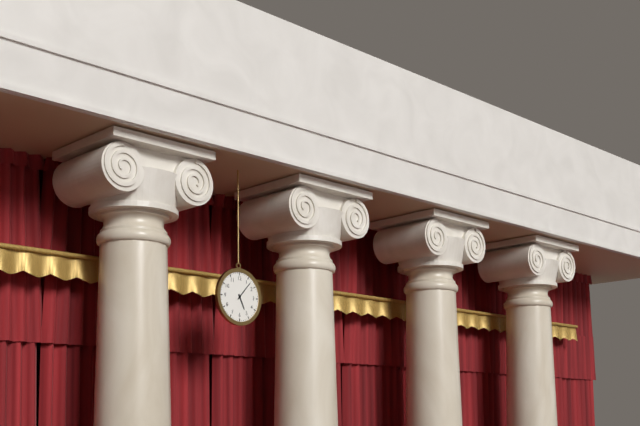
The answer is 5:07
